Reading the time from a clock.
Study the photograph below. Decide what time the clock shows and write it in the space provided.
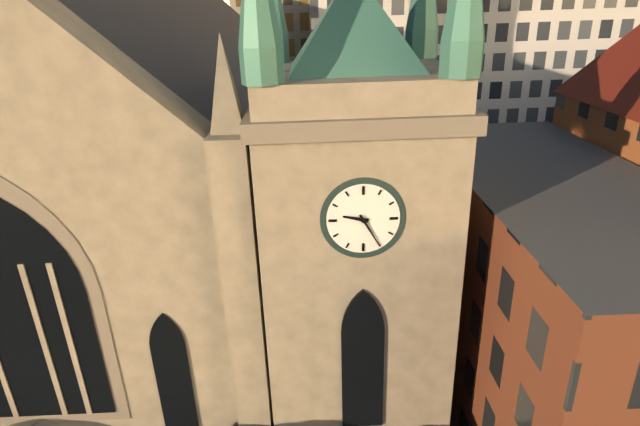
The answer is 9:25
